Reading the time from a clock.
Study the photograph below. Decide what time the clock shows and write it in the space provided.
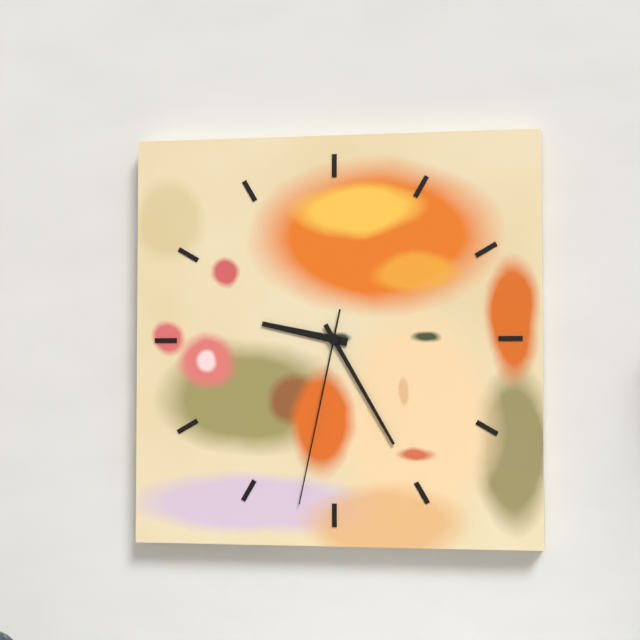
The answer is 9:25:32
